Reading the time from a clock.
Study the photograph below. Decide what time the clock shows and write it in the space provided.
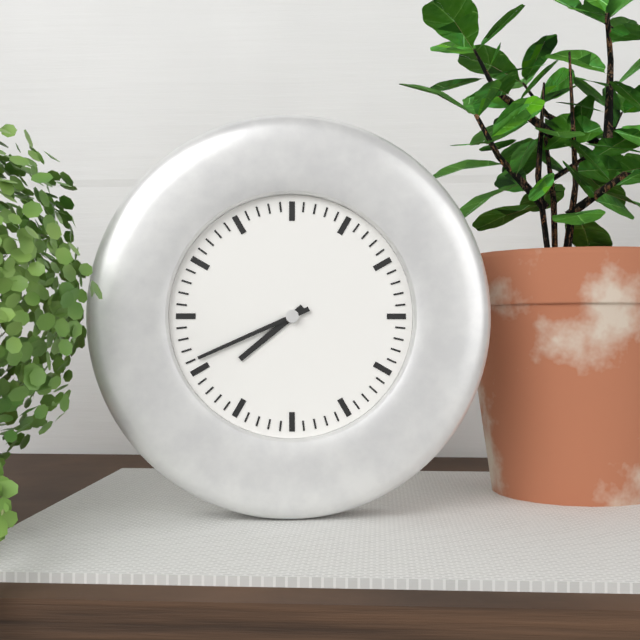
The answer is 7:41
